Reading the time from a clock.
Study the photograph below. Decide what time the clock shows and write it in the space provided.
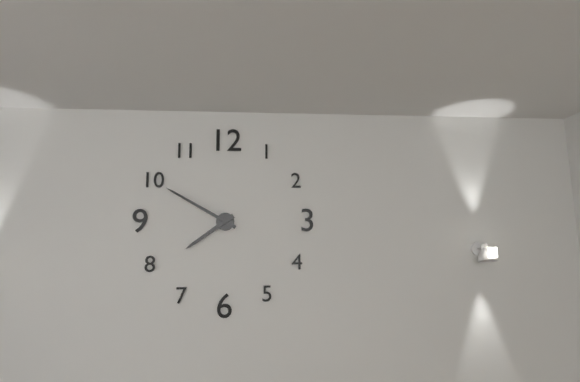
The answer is 7:50
